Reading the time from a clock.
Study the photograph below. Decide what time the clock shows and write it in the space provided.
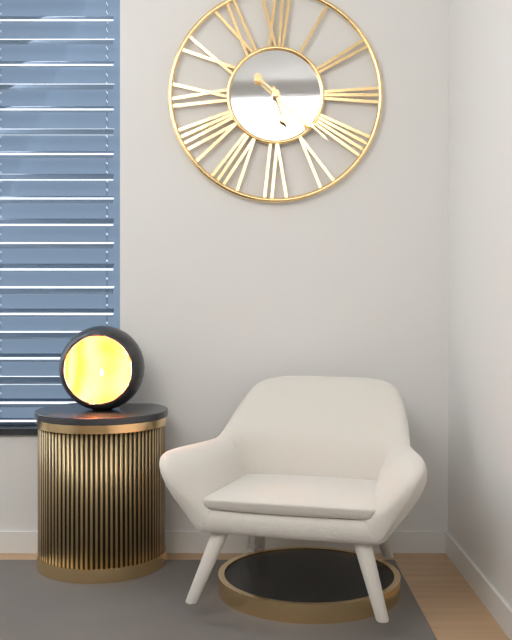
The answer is 5:22
